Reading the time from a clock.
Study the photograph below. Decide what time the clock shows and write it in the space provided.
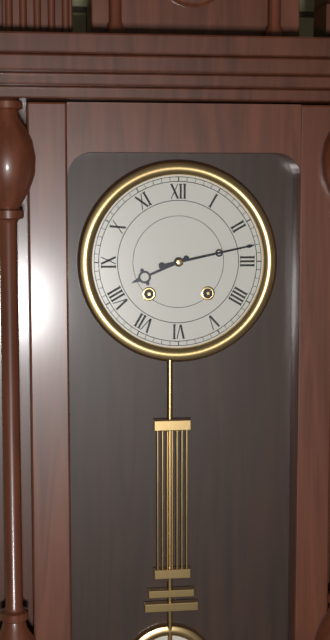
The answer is 8:13
